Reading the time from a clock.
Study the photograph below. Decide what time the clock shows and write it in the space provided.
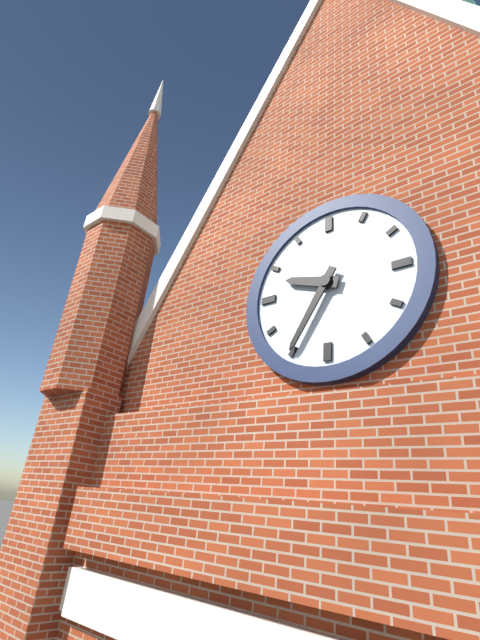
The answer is 9:35
